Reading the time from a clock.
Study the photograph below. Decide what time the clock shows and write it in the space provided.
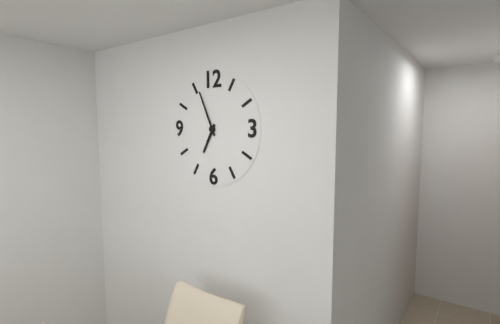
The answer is 6:56
